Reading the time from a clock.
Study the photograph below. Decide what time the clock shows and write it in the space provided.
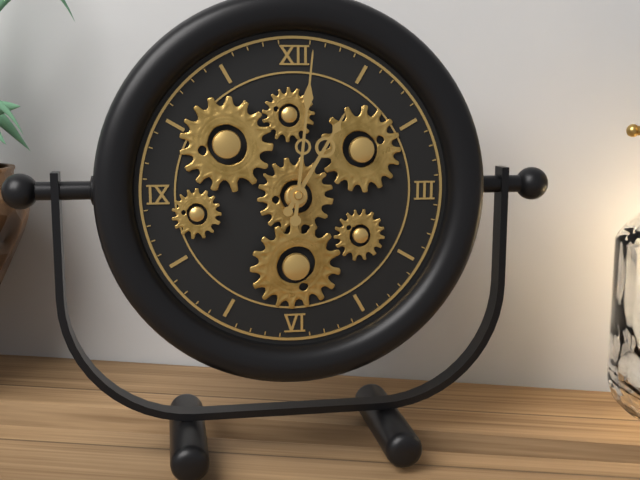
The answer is 1:01
